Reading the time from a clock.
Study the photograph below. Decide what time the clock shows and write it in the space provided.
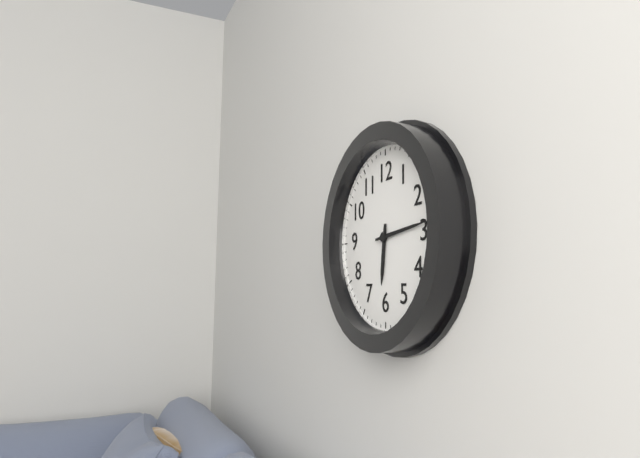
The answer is 6:14
